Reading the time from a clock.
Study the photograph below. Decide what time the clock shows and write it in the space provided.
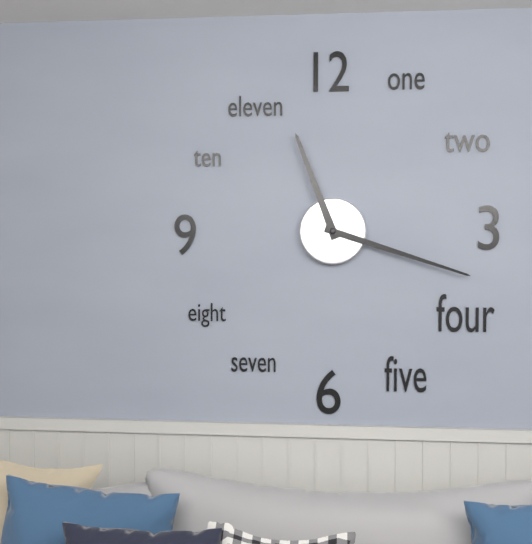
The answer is 11:18
